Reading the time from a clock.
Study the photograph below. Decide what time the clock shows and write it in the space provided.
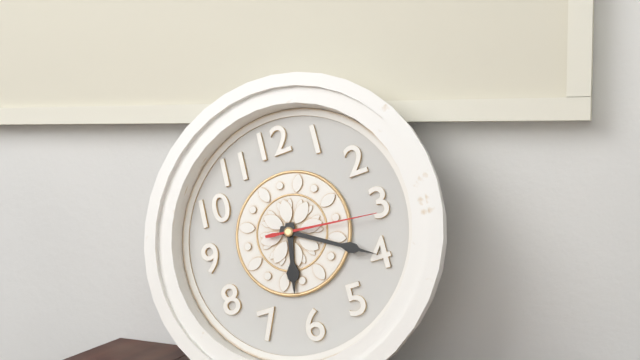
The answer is 6:20:16
